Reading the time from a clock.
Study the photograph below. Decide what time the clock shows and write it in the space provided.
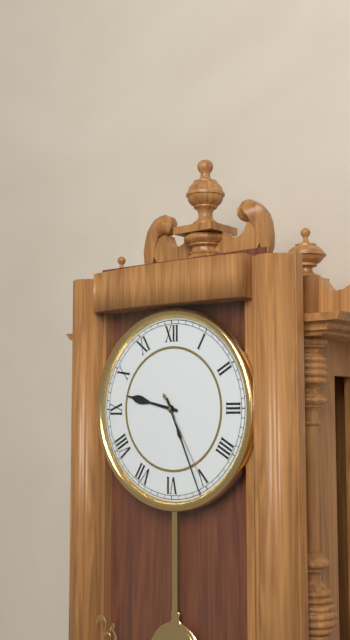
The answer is 9:26:25
